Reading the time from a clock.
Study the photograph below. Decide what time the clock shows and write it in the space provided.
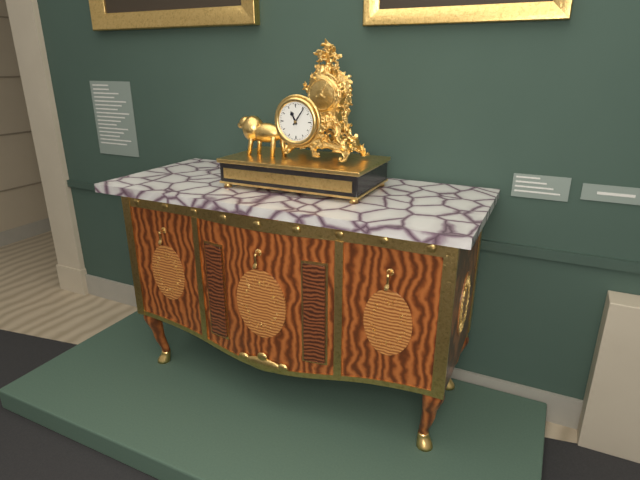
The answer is 11:06
